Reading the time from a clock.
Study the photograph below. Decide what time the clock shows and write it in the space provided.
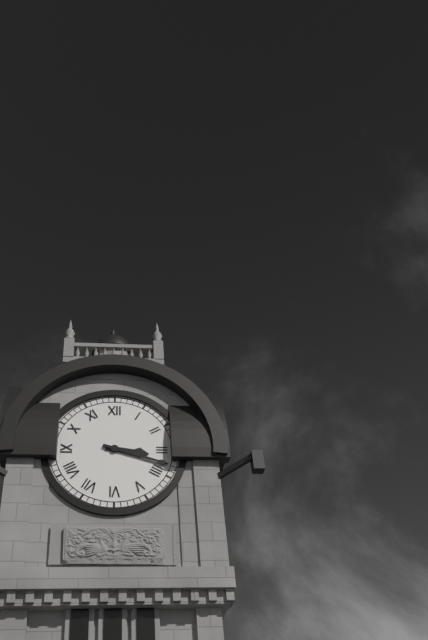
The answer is 3:18
